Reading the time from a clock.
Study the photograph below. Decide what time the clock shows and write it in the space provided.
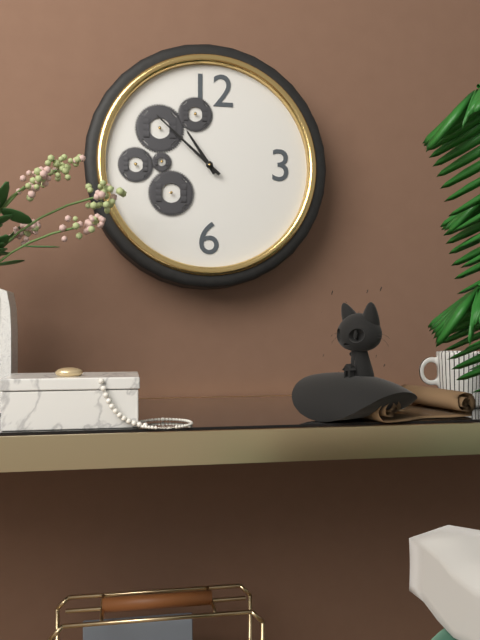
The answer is 10:52
